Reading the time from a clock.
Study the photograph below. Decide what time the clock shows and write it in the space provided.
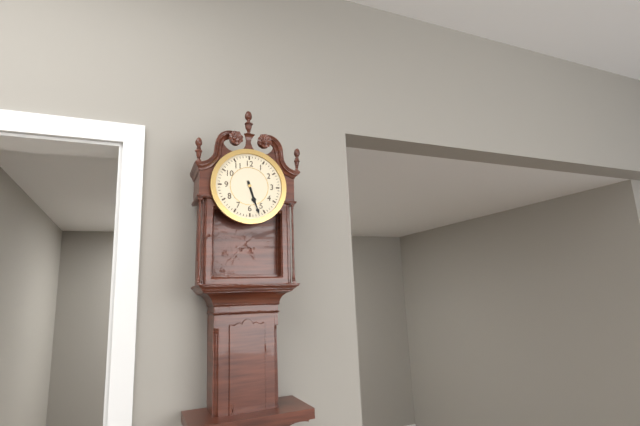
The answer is 5:27
